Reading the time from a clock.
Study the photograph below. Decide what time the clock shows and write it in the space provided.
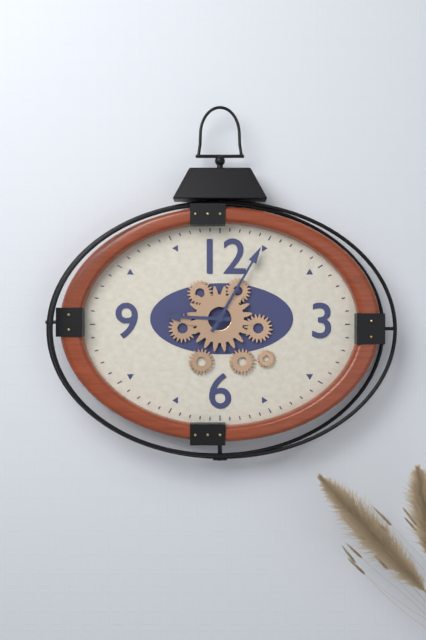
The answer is 9:05
